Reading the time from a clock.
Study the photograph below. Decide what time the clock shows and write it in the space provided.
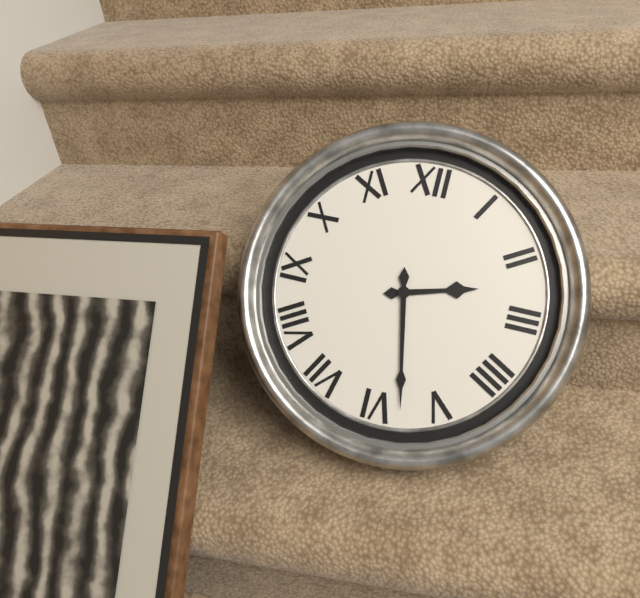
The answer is 2:28
